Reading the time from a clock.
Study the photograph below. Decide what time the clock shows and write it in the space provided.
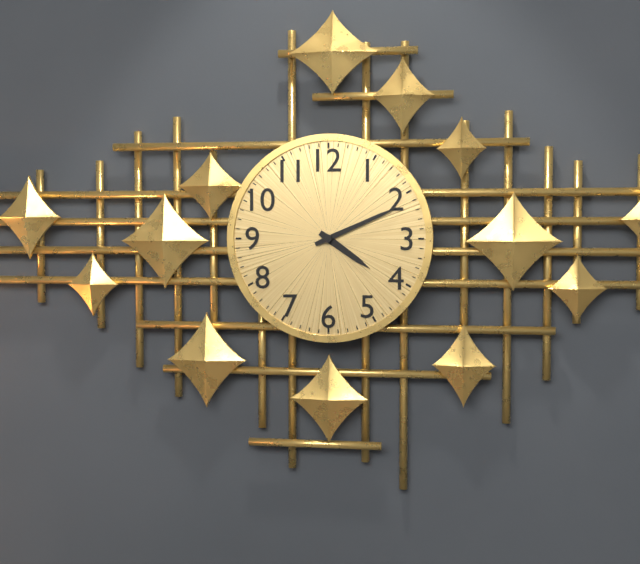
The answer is 4:11
